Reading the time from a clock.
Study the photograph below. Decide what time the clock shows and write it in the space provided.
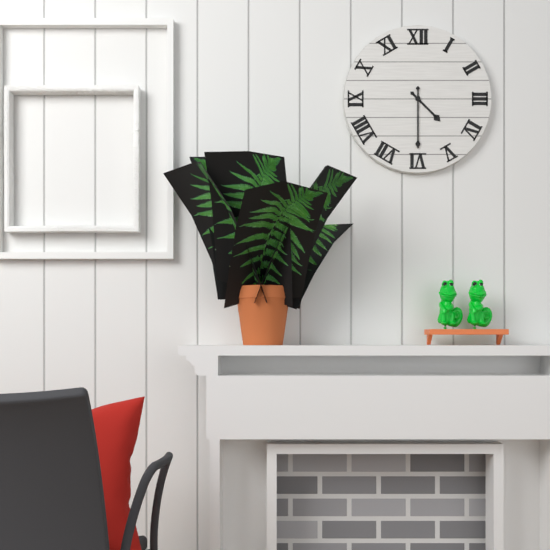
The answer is 4:30
